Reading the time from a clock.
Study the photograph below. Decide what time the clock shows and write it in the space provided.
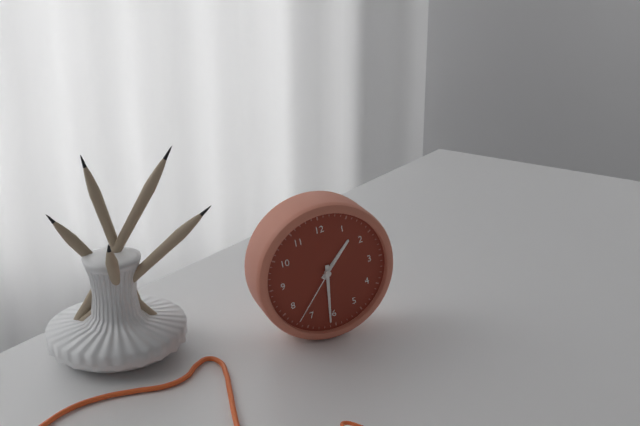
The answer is 1:31:37
